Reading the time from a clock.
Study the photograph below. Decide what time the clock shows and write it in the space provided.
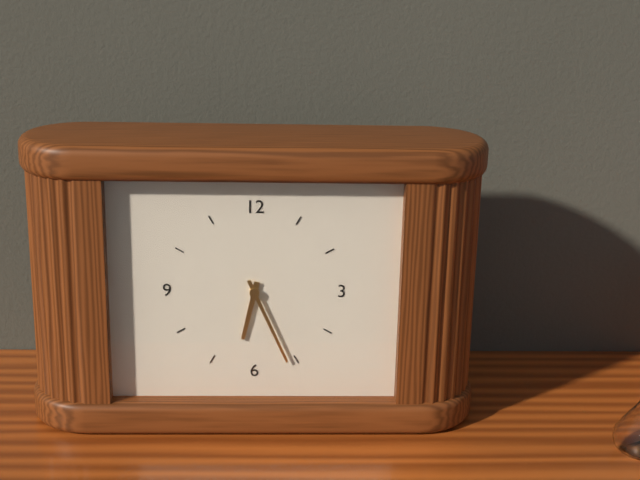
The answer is 6:26
